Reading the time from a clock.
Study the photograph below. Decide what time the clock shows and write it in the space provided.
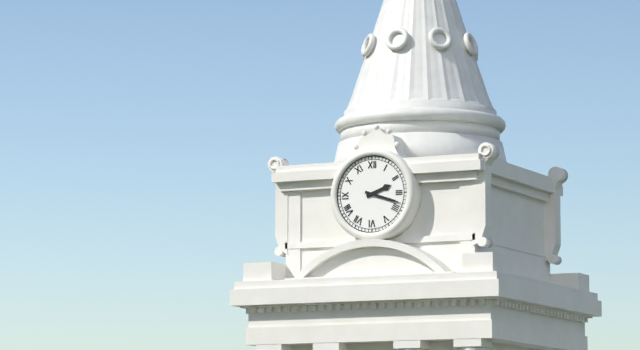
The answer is 2:18
